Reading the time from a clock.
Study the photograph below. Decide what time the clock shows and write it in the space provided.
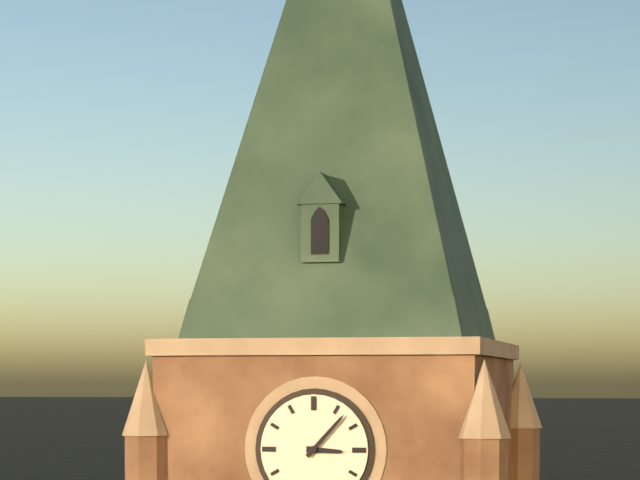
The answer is 3:07
